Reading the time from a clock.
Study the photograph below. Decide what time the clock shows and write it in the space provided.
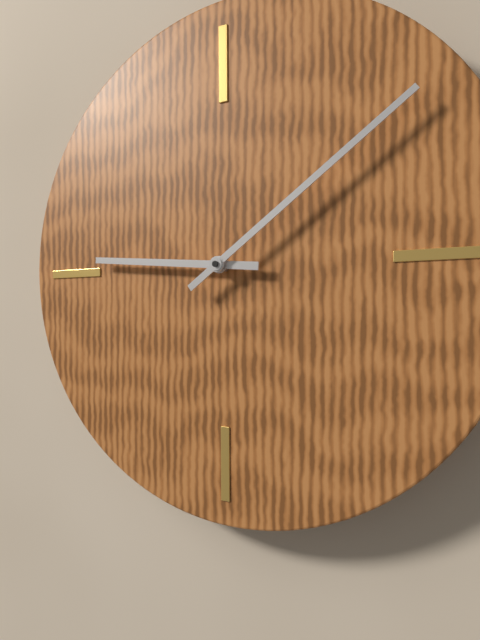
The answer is 9:09
